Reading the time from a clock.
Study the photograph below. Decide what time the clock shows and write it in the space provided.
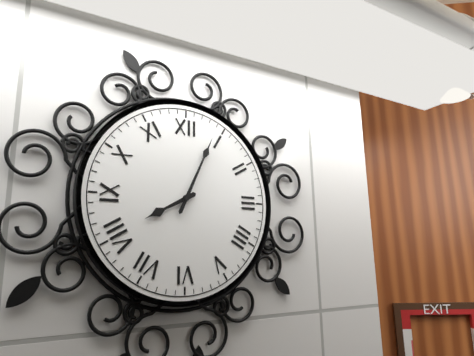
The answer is 8:04
